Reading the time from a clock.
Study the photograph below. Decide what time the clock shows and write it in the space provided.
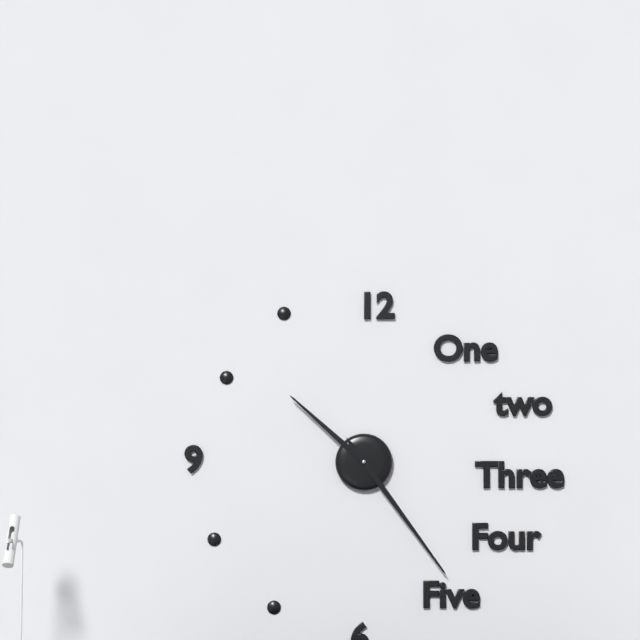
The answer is 10:24
